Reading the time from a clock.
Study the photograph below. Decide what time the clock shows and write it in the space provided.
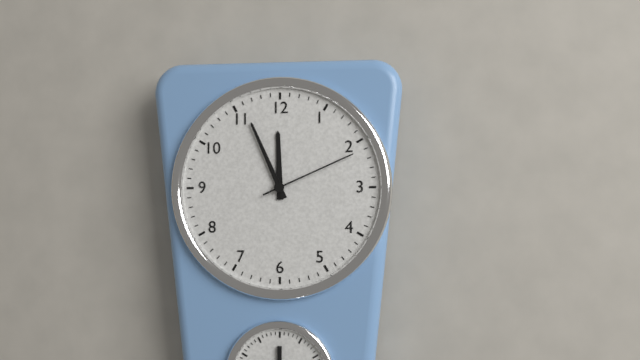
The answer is 11:56:11
